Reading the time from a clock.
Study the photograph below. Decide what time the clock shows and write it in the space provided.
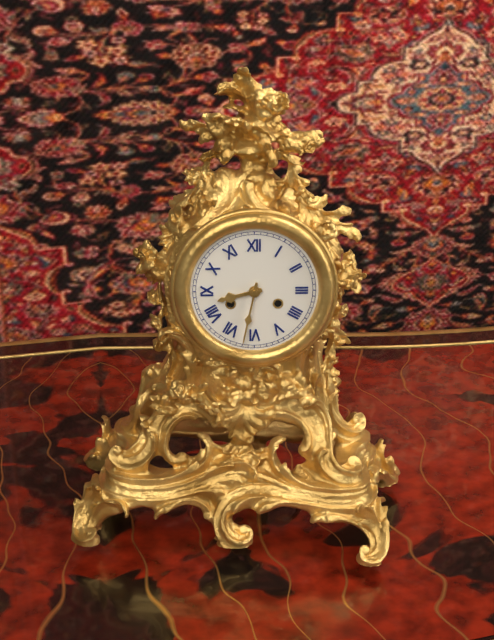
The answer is 8:32
